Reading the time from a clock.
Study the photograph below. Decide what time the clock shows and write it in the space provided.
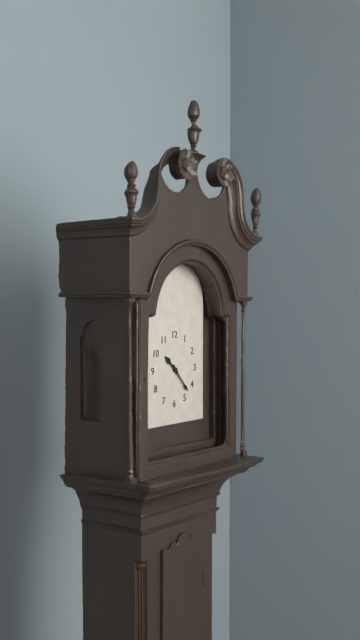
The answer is 10:23
